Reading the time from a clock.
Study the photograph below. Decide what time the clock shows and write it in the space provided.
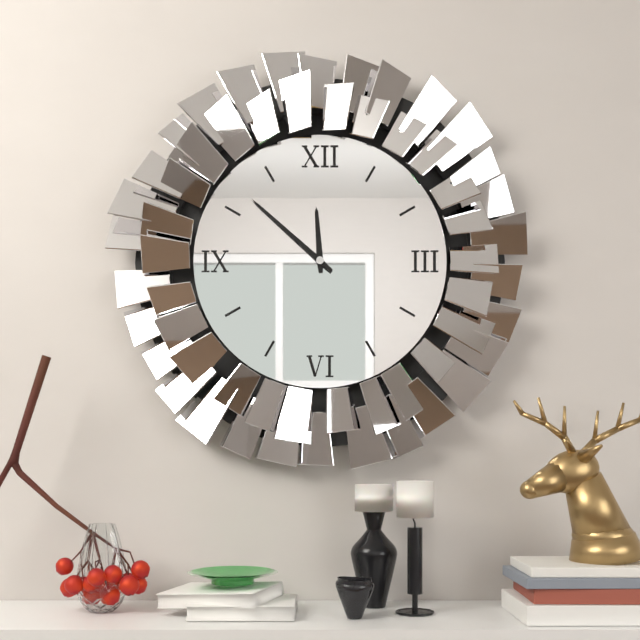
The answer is 11:52
